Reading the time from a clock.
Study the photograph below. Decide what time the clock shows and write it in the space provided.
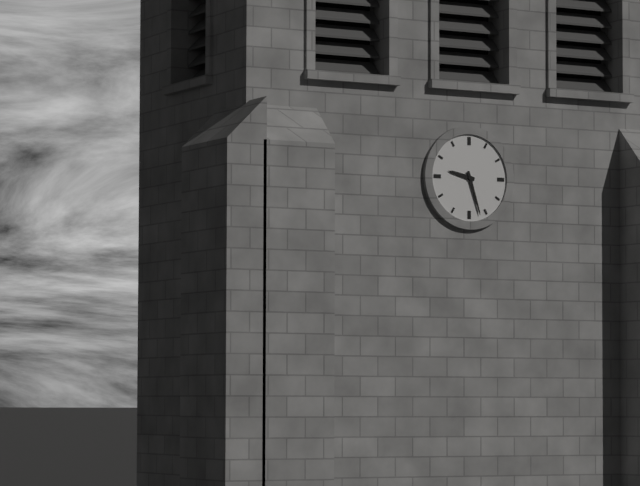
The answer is 9:27
